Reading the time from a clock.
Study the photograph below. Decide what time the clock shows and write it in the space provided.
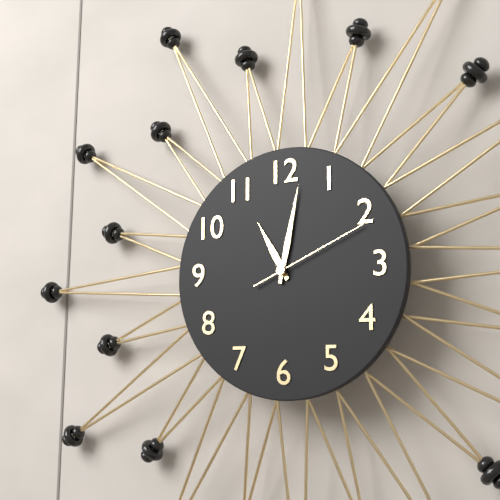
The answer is 11:02:11
